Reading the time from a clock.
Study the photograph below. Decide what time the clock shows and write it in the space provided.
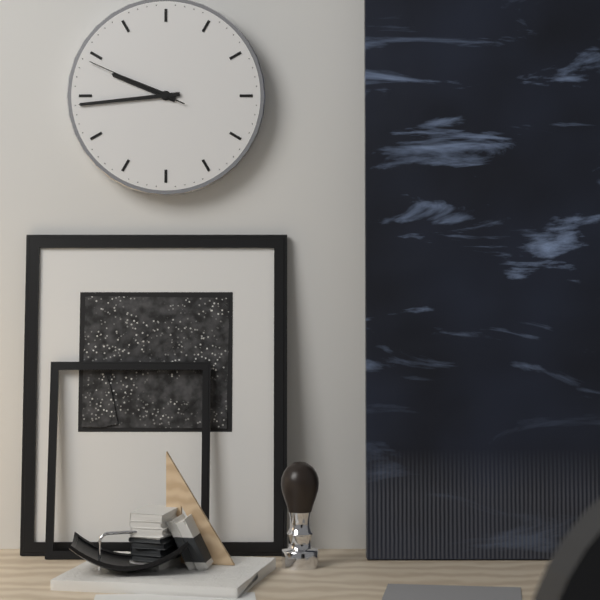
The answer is 9:44:49
